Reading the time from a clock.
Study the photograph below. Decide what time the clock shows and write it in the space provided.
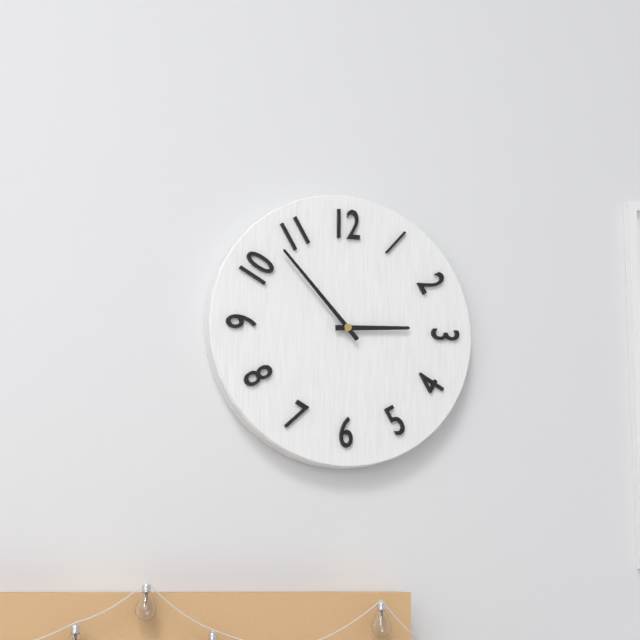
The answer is 2:53
